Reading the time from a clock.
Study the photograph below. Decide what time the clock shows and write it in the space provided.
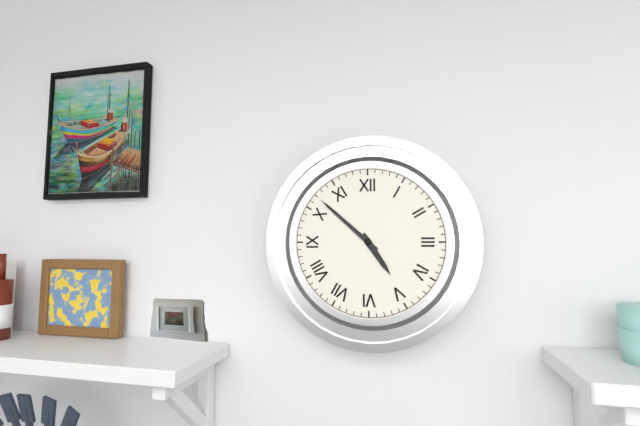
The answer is 4:52
